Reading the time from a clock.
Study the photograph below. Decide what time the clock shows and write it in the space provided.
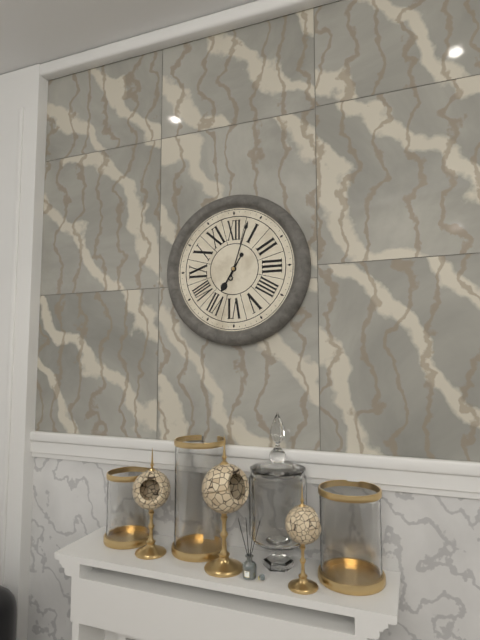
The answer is 7:03
